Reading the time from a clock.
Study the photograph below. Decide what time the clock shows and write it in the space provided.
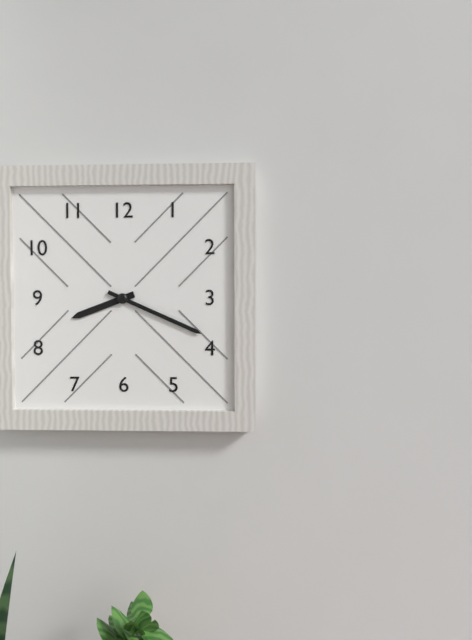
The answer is 8:19
